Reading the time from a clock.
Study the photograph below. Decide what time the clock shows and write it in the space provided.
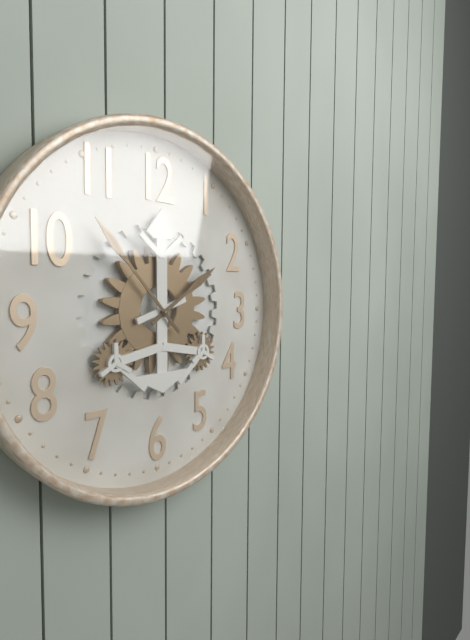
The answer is 1:53
